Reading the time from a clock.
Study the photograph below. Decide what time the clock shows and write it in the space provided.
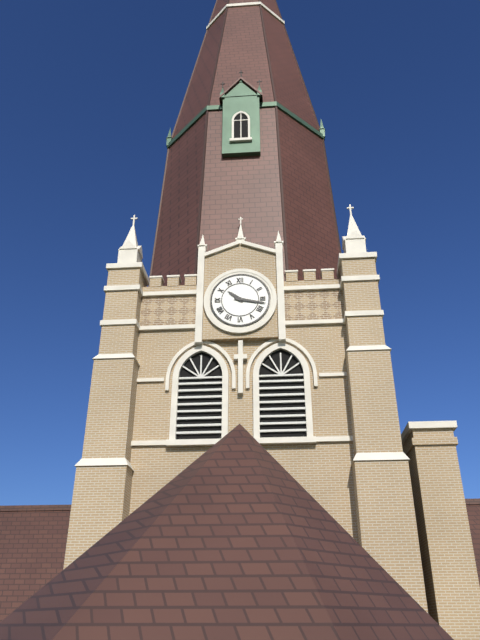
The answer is 10:17
